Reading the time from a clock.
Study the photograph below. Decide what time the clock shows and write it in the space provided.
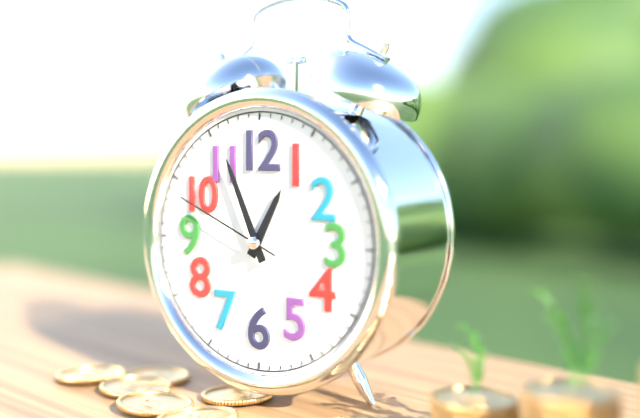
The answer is 12:56:49
